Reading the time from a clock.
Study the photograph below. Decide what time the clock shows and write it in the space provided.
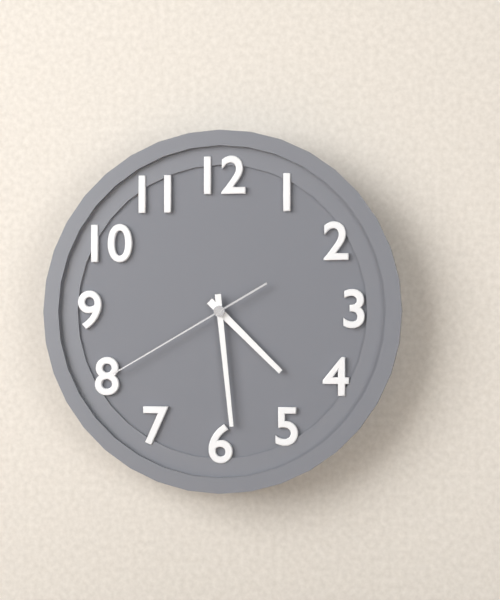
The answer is 4:29:40
